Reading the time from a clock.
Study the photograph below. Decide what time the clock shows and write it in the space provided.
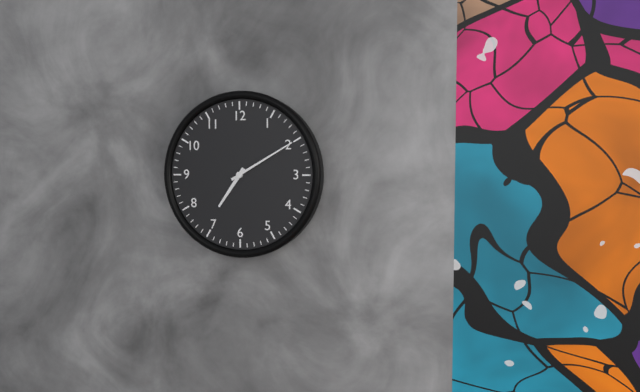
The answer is 7:10
